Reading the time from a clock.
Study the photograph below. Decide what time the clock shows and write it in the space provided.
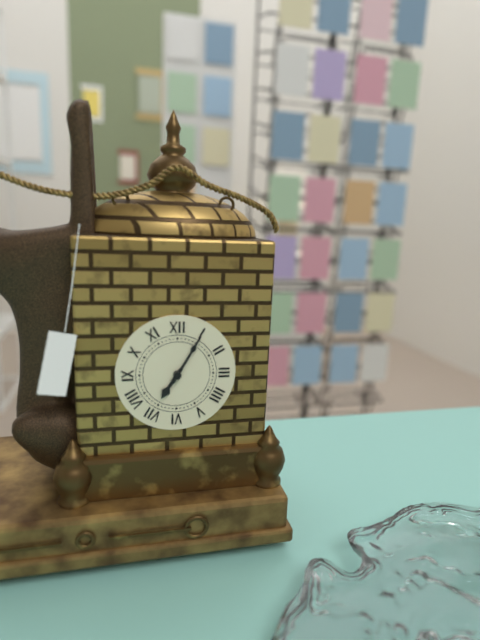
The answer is 7:05
